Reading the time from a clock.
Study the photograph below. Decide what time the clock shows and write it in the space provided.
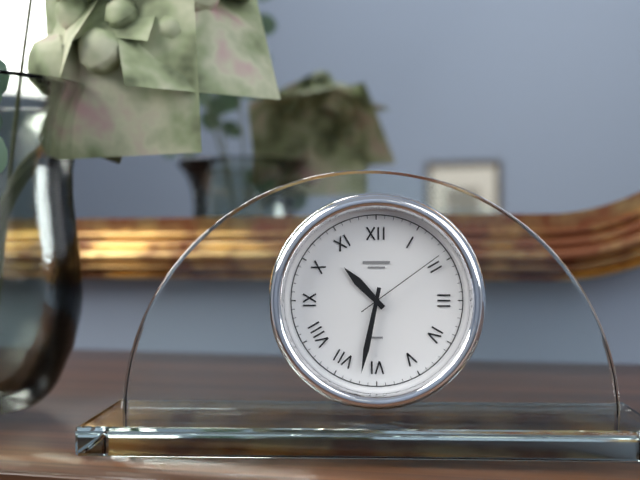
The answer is 10:32:09
